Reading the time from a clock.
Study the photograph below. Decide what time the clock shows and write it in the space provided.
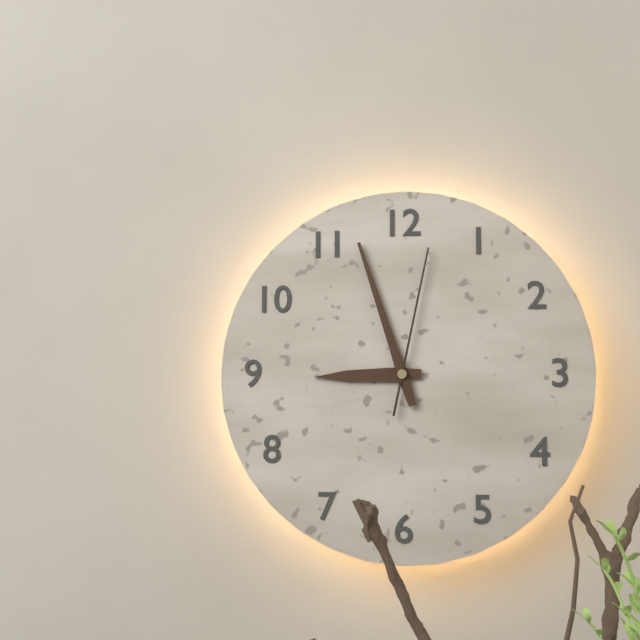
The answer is 8:57:02
